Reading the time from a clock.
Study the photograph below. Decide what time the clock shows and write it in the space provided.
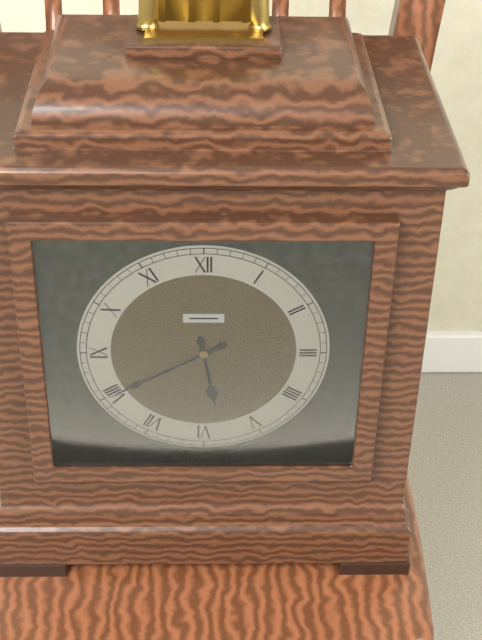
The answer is 5:40
